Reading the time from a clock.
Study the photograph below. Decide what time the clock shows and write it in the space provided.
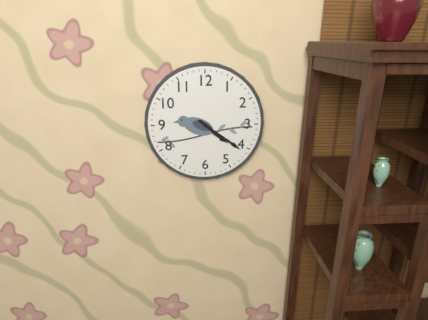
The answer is 4:21
